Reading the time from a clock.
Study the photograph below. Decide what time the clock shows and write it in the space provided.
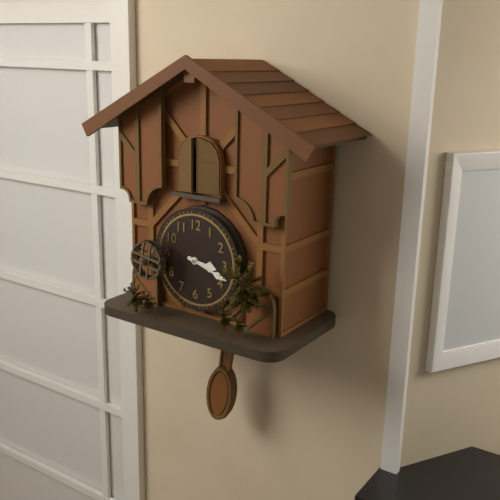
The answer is 3:18
